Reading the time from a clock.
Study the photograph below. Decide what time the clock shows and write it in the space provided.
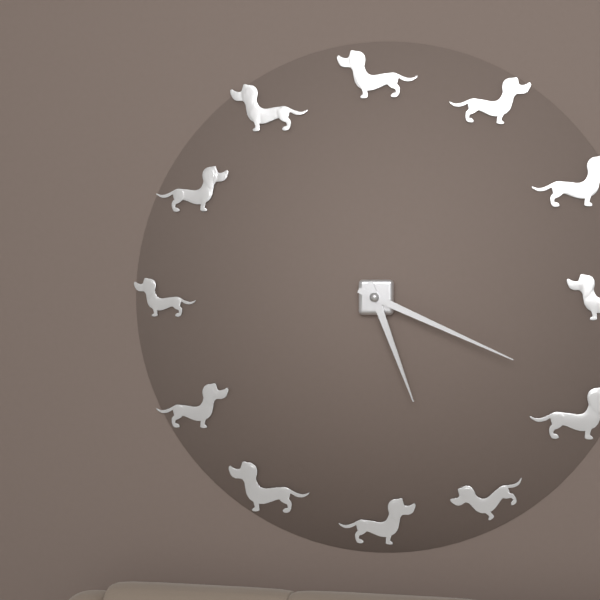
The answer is 5:19
